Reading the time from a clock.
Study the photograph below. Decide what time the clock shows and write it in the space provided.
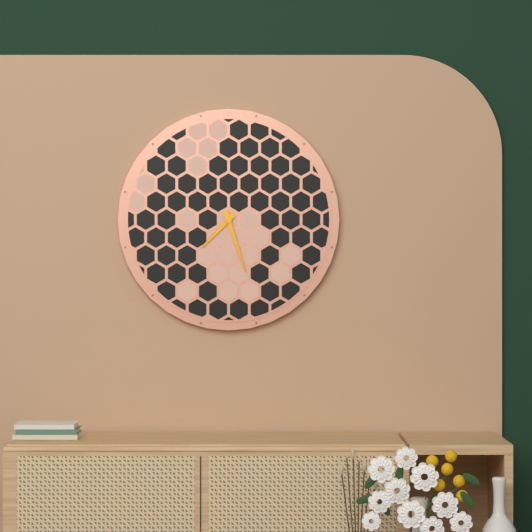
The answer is 7:27
